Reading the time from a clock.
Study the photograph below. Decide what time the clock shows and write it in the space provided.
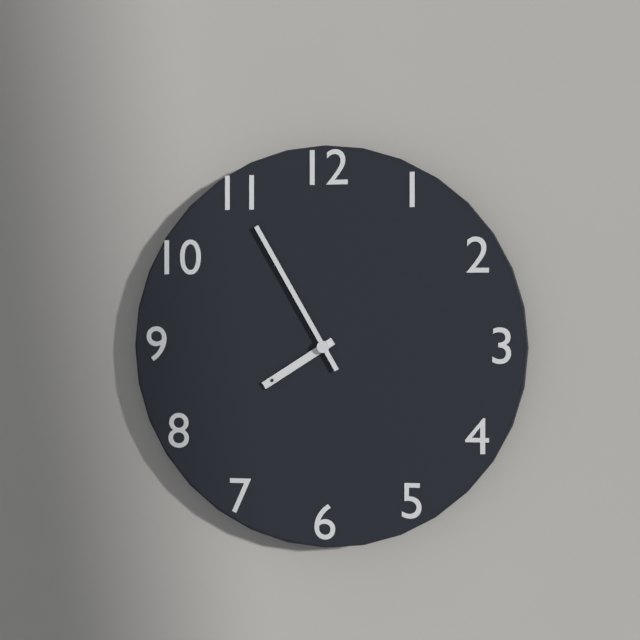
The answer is 7:55
